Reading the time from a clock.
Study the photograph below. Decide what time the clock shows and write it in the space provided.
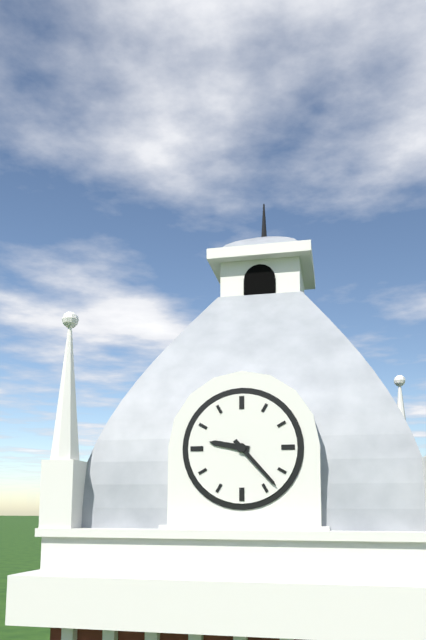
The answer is 9:23
